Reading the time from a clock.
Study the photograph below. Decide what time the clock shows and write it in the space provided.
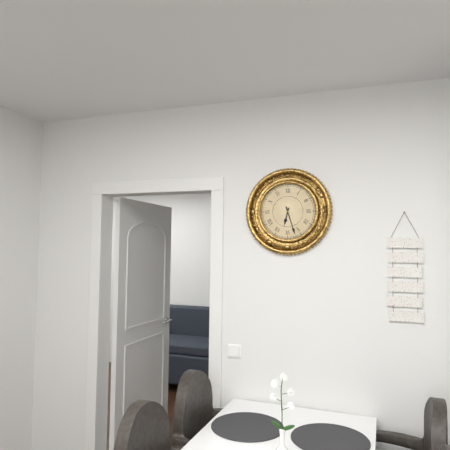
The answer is 6:27
